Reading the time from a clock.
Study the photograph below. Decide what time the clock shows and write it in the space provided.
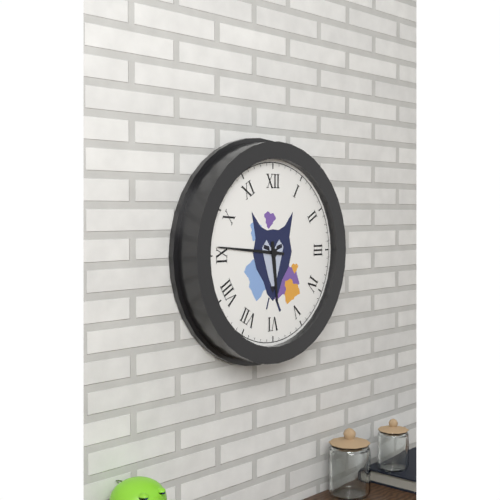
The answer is 5:46
